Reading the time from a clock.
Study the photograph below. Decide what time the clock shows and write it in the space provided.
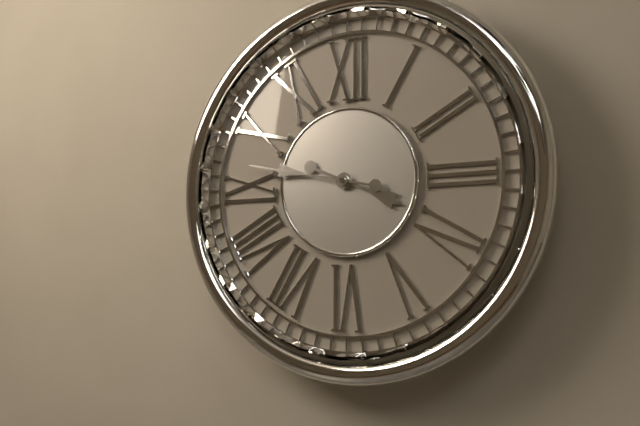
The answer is 3:47
